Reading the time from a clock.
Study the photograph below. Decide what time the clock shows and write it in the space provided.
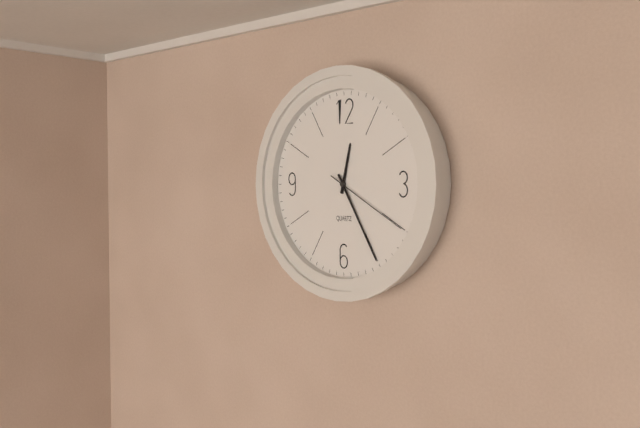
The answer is 12:25:20
